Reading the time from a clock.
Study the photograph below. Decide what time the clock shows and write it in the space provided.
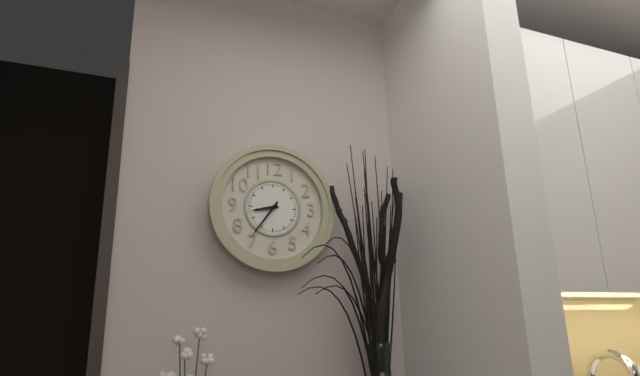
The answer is 8:36
